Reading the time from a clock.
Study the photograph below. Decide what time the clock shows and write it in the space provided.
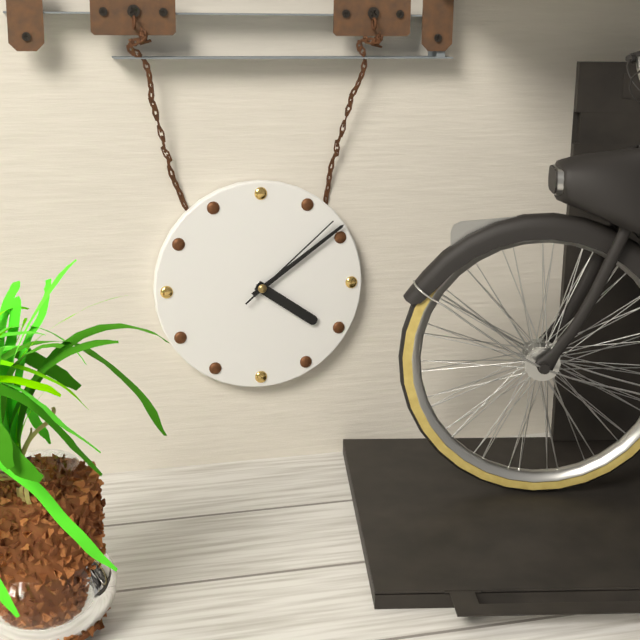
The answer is 4:09:08
